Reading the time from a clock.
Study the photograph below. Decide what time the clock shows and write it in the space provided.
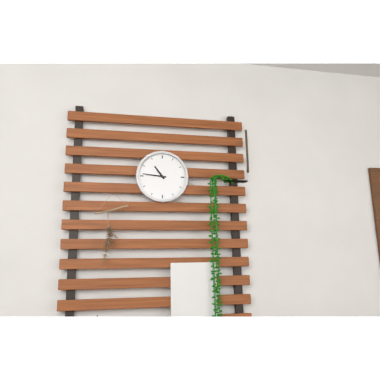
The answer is 10:46
